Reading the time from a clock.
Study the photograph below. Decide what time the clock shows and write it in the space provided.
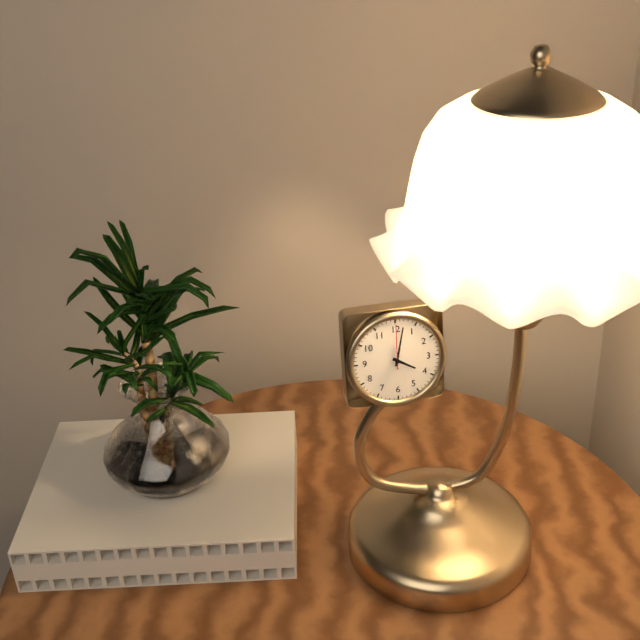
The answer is 4:02
